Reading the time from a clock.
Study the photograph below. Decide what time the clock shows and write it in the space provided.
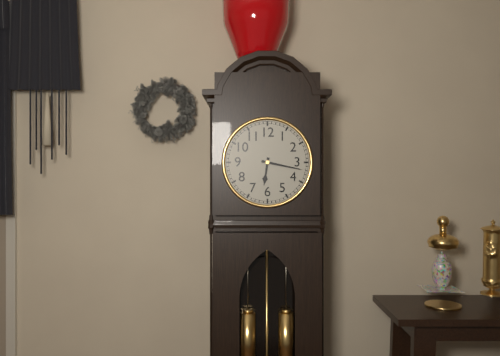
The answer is 6:17
